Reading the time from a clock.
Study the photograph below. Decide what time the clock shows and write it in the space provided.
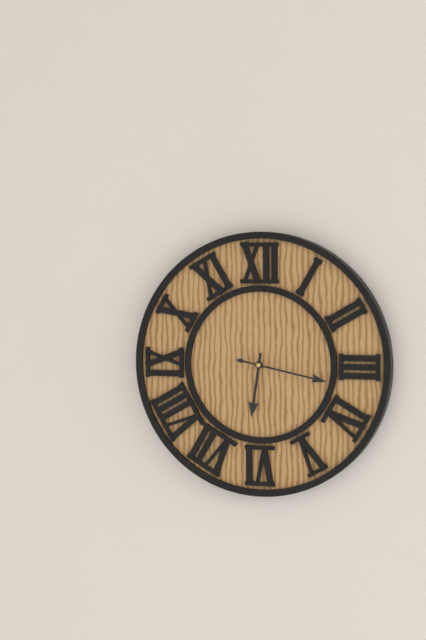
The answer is 6:17
